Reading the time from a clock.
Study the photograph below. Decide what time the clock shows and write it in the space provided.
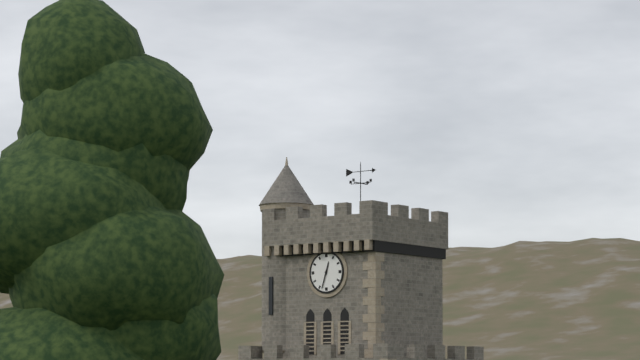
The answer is 12:33
